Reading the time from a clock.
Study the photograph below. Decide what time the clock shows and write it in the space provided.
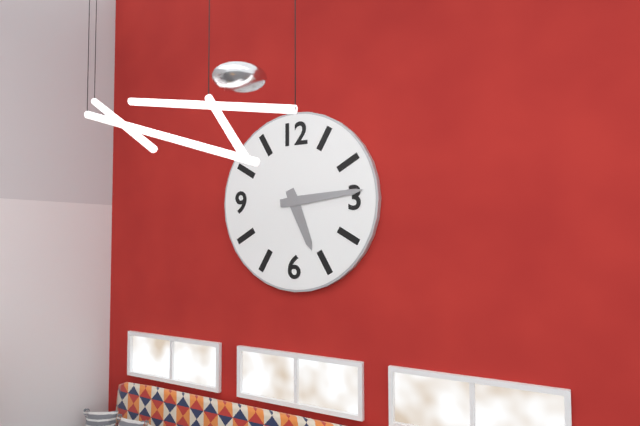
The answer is 5:14
